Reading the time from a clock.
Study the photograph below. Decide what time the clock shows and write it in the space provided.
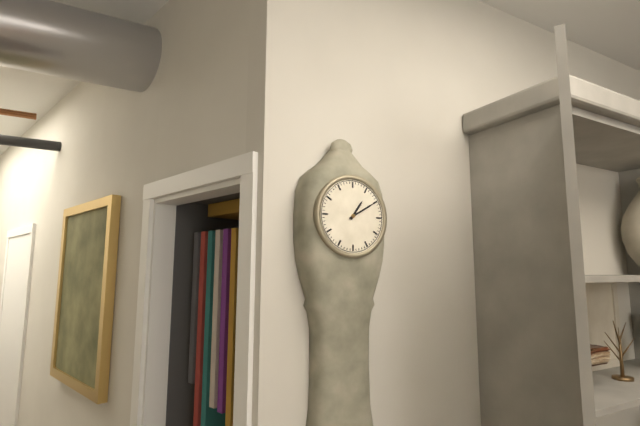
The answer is 1:10
